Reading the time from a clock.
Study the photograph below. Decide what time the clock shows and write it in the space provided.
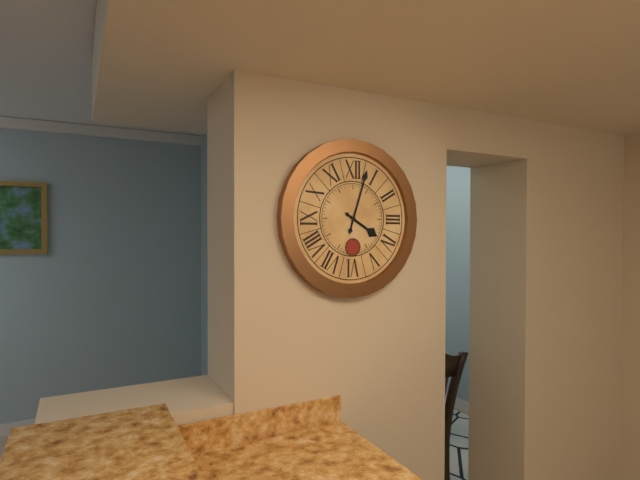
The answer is 4:03
